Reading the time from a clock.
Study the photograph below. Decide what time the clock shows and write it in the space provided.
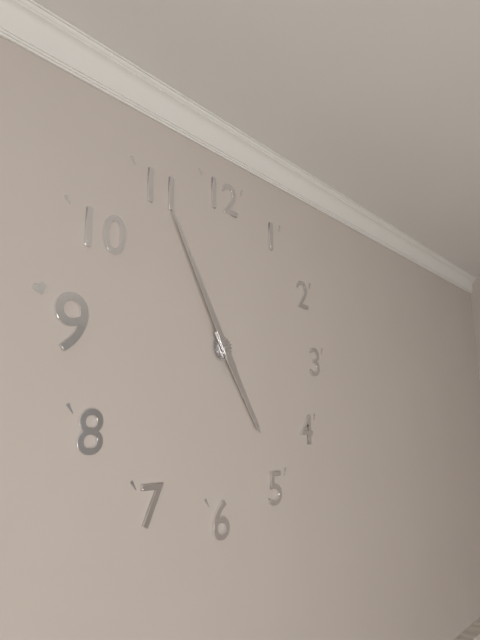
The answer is 4:55
